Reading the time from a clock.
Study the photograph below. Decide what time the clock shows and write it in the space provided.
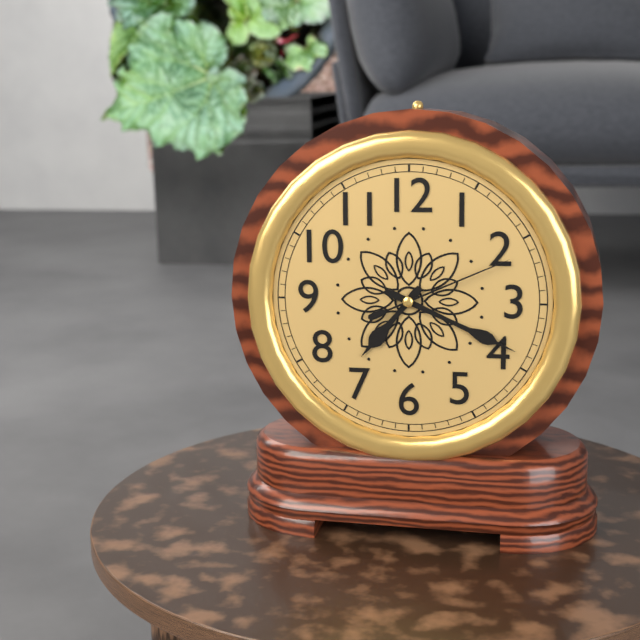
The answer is 7:19:11
